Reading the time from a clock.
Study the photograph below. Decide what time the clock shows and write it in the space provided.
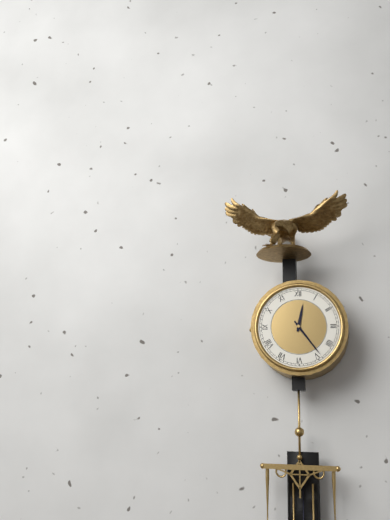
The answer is 12:24
